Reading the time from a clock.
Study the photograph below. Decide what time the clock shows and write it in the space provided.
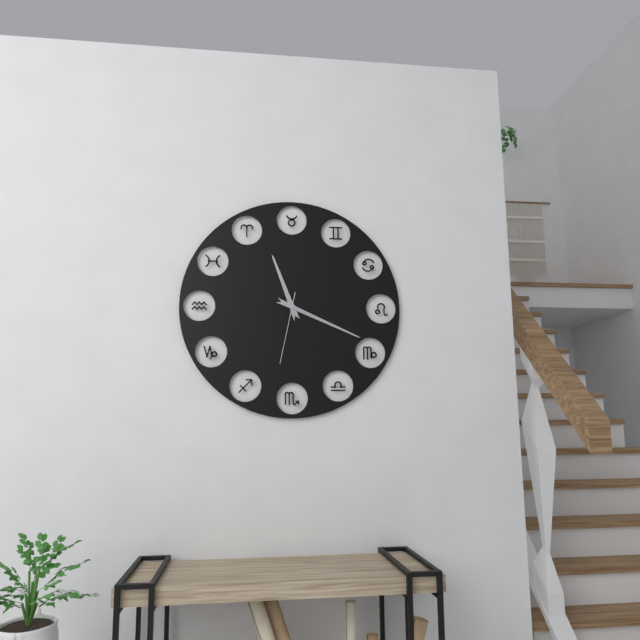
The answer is 11:19:32
